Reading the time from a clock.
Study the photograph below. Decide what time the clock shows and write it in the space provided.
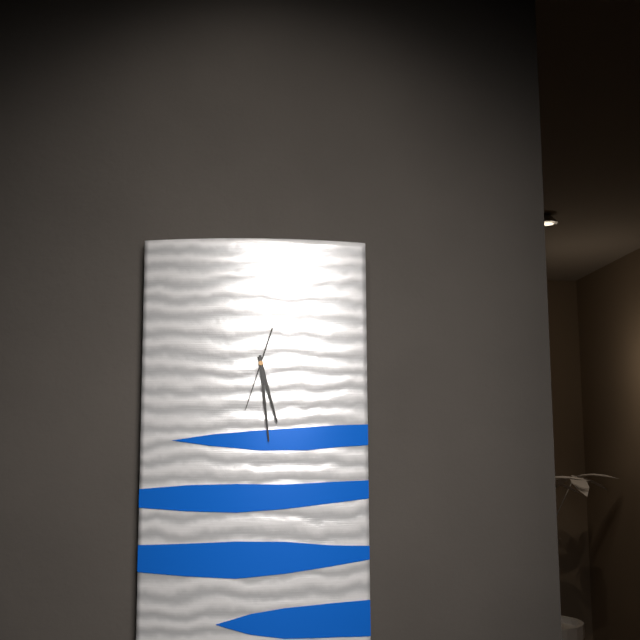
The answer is 5:29:33
